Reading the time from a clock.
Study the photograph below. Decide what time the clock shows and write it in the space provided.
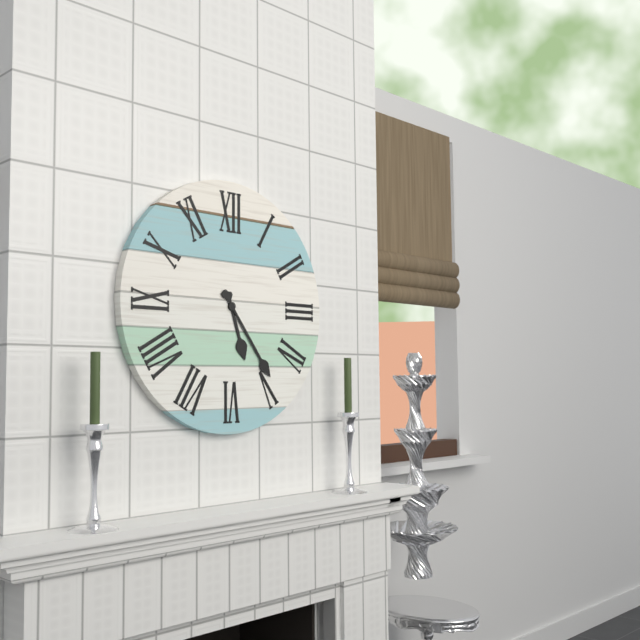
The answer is 5:24
